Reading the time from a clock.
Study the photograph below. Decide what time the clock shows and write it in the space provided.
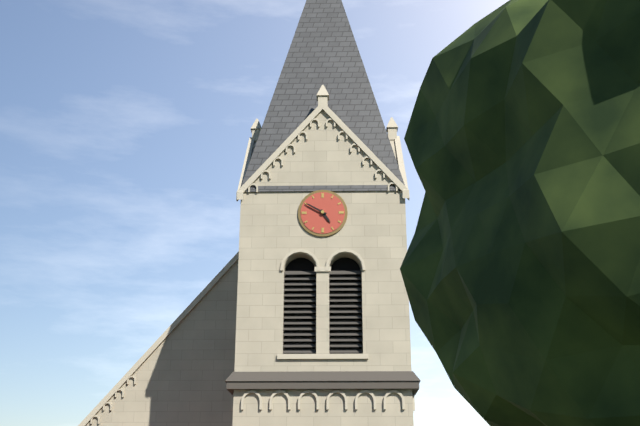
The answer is 4:50
